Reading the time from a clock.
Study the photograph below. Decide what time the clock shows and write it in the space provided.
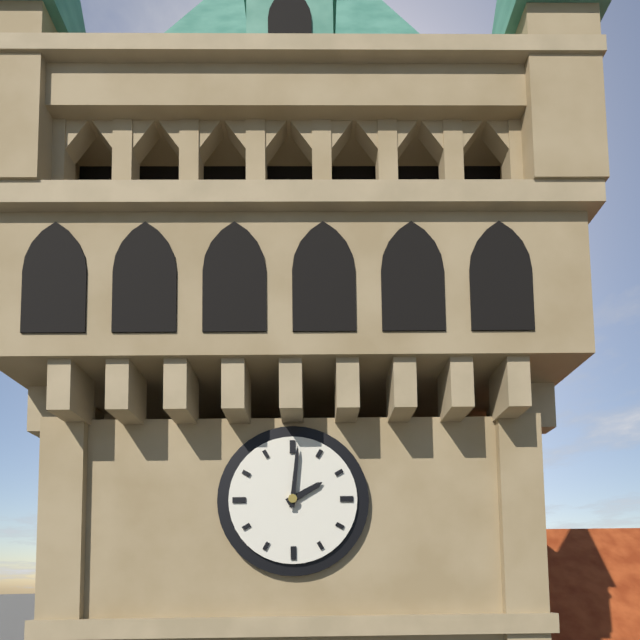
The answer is 2:01
